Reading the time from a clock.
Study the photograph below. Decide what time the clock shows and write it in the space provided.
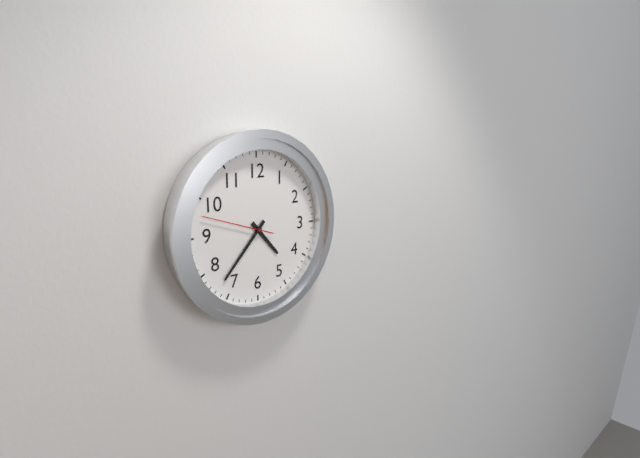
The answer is 4:37:48
